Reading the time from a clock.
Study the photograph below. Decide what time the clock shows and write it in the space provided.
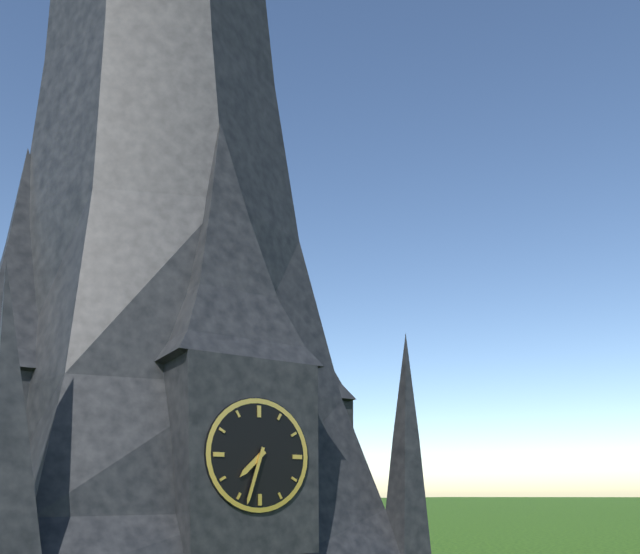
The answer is 7:33
